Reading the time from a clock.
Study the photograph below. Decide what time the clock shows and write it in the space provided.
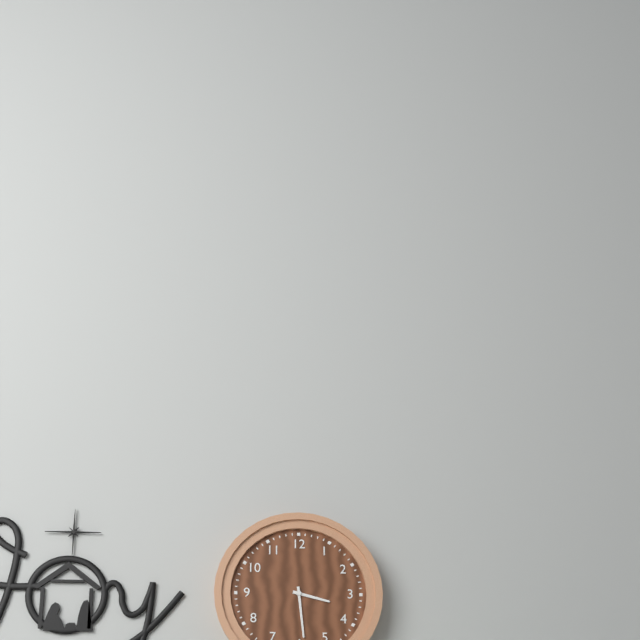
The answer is 3:29
